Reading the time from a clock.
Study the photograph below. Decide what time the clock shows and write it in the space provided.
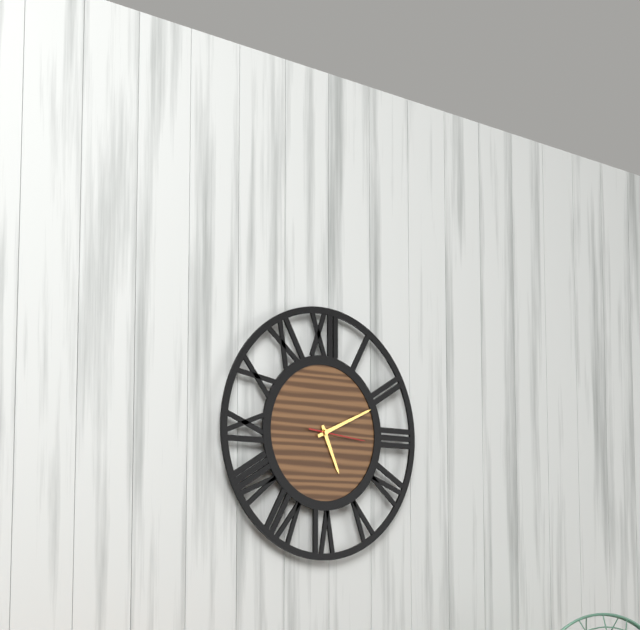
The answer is 5:11:16
